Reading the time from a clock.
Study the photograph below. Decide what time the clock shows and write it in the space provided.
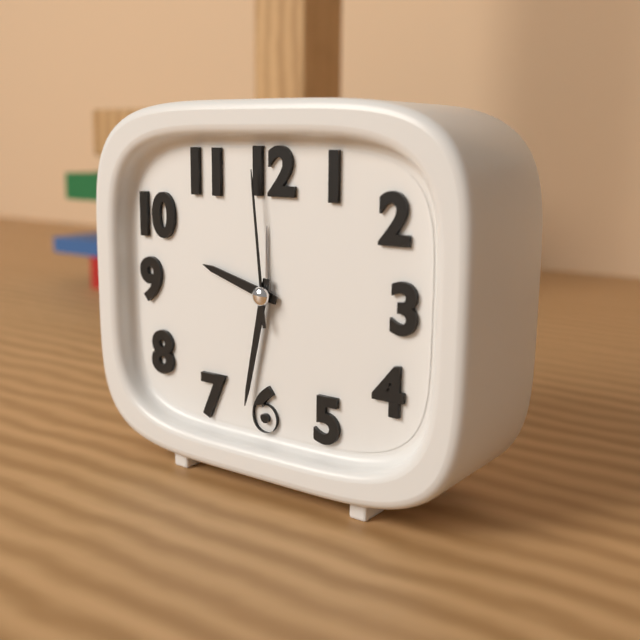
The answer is 9:32:59
